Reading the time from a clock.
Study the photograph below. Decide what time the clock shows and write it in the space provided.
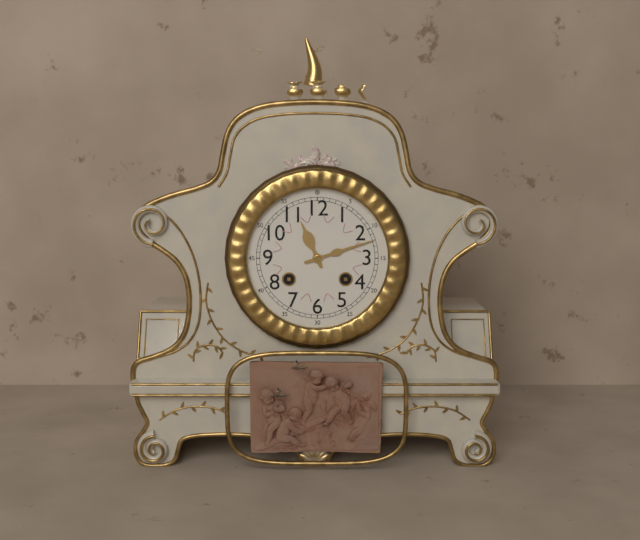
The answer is 11:12
